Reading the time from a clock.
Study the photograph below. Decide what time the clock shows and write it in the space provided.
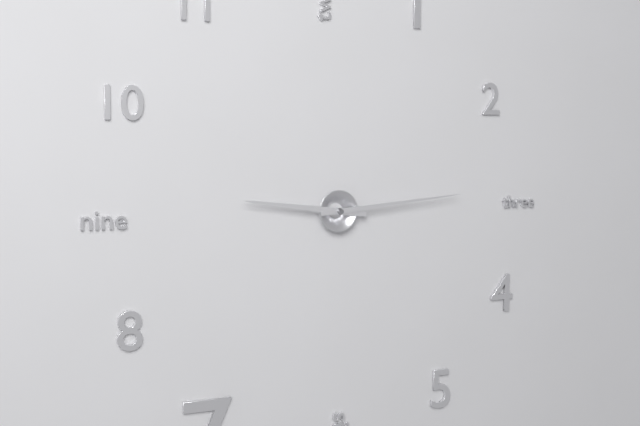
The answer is 9:14
